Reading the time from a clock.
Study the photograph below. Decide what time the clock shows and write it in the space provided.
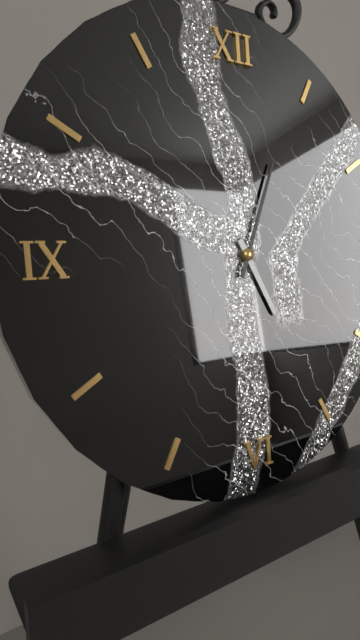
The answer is 5:04
